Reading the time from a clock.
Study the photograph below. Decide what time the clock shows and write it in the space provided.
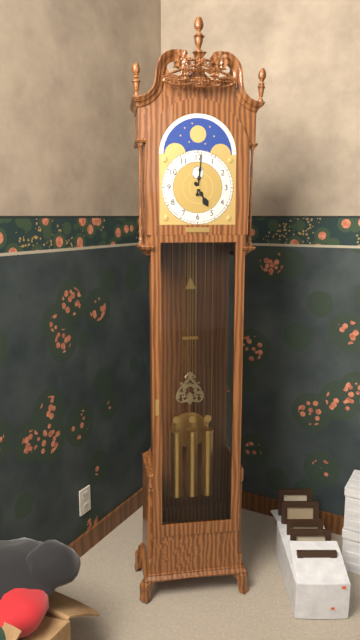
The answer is 5:01
